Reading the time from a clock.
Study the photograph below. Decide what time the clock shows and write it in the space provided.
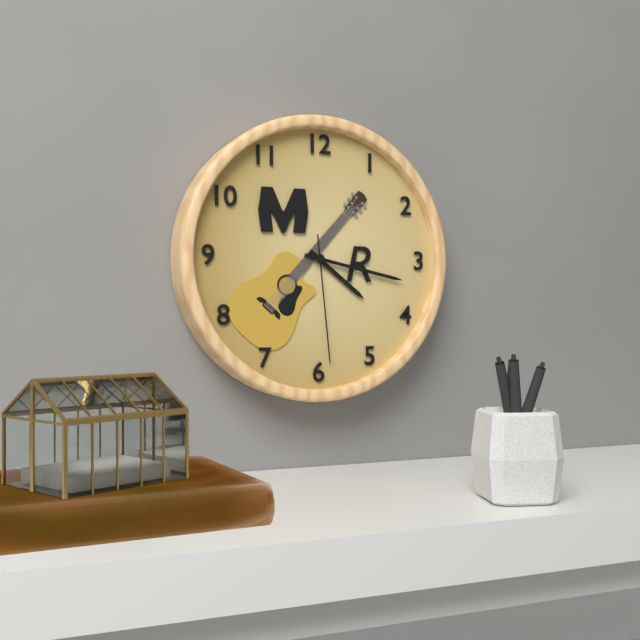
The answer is 4:17:29
